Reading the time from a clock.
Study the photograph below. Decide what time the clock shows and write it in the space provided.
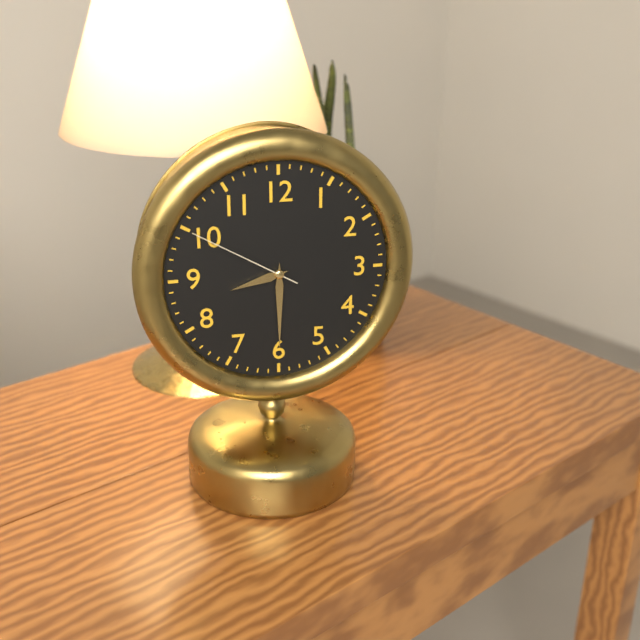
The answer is 8:30:50
